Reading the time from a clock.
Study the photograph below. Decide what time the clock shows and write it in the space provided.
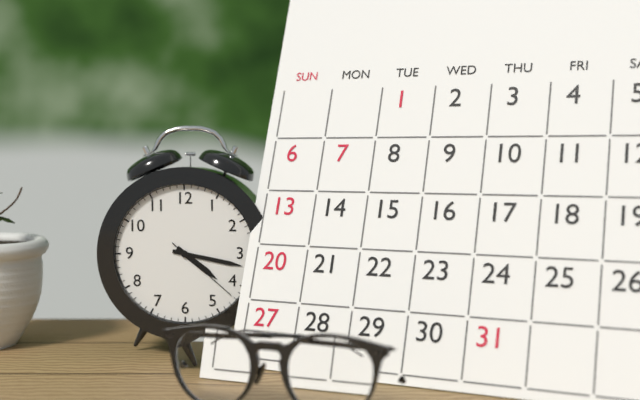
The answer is 4:17:22
